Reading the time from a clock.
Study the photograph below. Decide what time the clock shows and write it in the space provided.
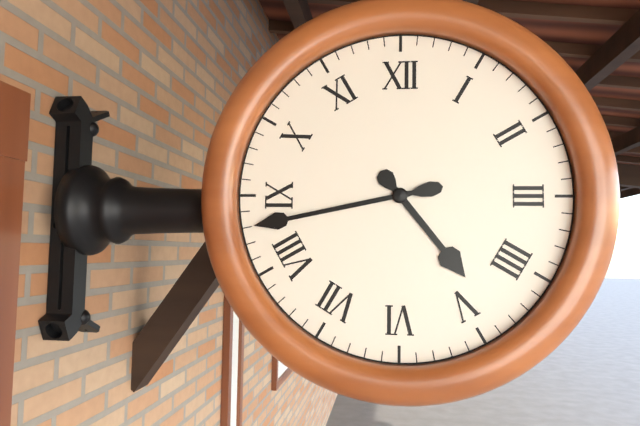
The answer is 4:43
